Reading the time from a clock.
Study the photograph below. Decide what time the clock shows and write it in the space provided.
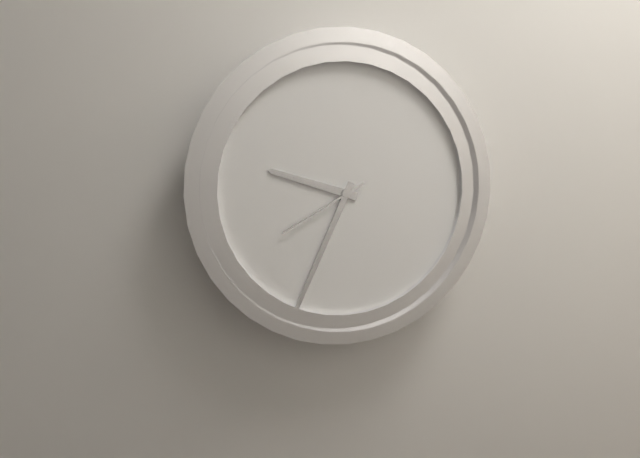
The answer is 9:34:40
